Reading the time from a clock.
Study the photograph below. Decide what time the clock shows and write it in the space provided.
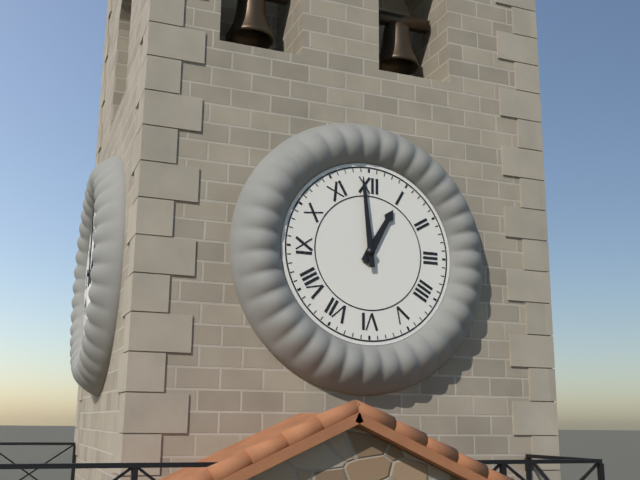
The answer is 12:59
